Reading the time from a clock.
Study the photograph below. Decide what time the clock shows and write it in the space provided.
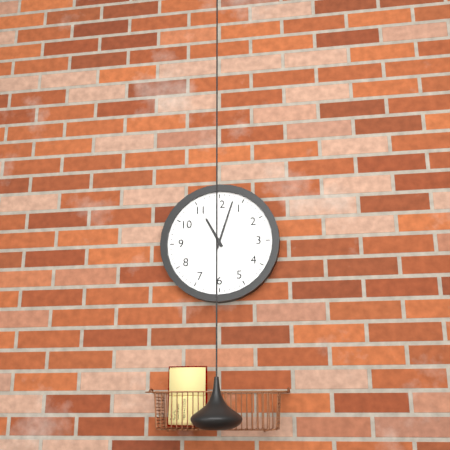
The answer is 11:03
